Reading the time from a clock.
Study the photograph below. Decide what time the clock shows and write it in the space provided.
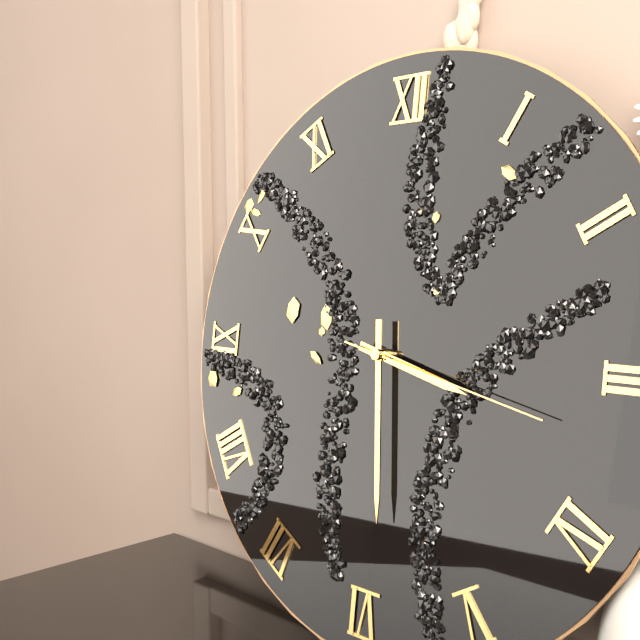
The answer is 3:29:17
